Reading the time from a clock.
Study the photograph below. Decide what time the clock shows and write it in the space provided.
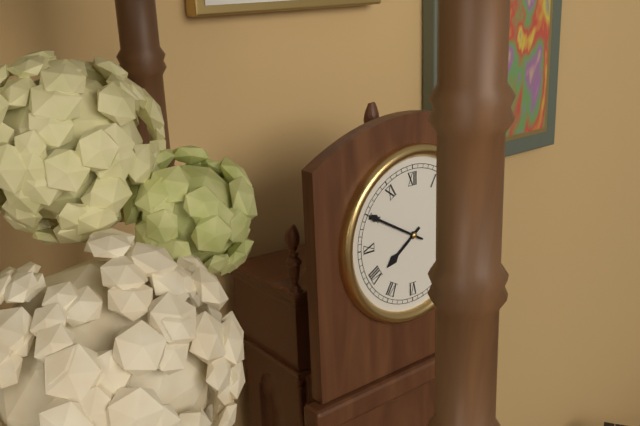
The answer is 7:50
